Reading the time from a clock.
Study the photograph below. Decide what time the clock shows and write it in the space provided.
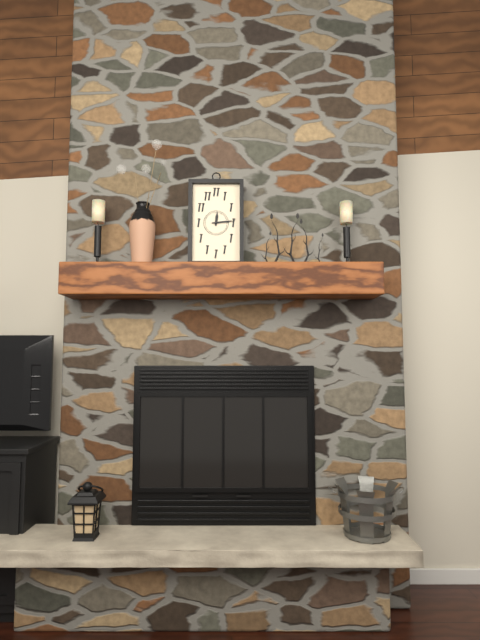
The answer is 12:14
